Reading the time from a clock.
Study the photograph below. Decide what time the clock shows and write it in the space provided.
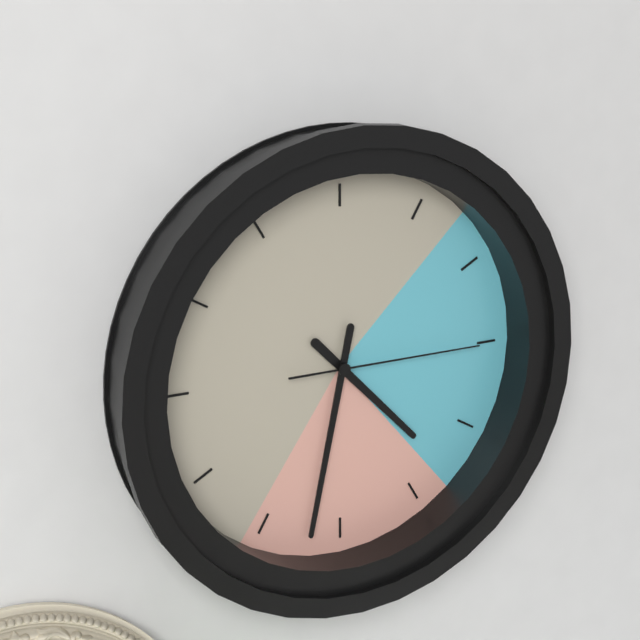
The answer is 4:32:15
